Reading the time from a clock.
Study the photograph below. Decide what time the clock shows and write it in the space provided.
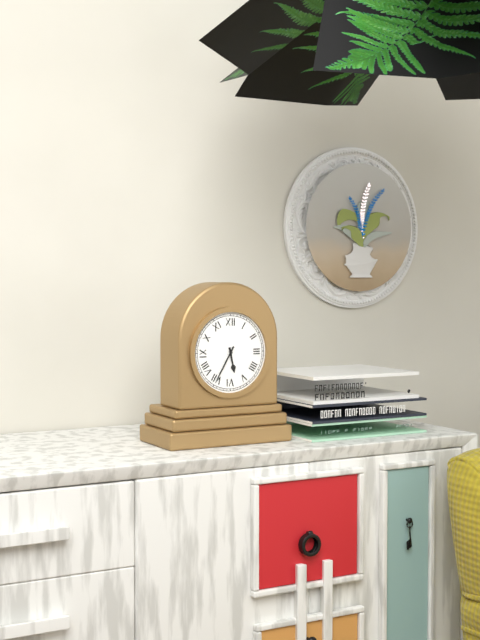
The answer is 5:35
